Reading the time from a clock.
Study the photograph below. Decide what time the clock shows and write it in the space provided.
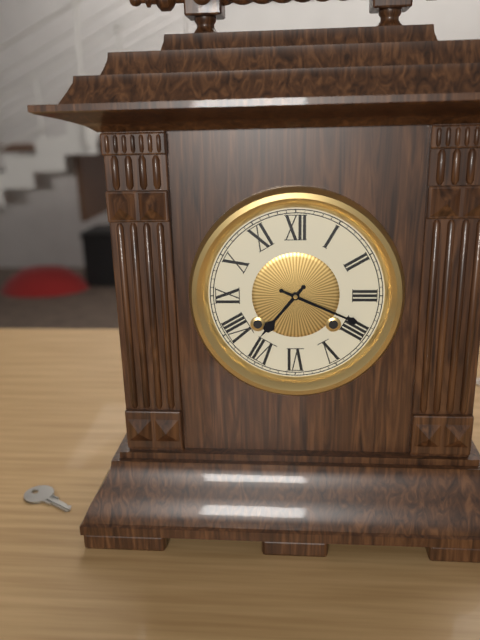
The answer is 7:19
